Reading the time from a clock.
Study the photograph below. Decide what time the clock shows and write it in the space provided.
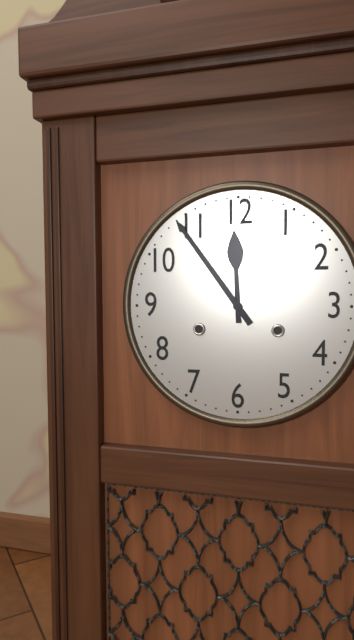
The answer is 11:54
